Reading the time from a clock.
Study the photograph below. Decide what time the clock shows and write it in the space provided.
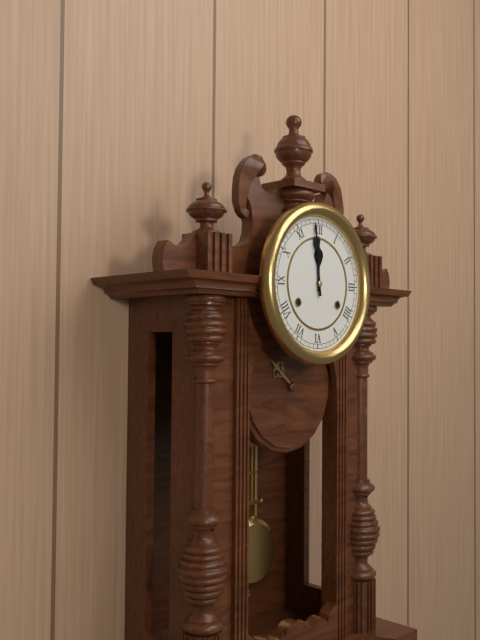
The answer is 11:59
